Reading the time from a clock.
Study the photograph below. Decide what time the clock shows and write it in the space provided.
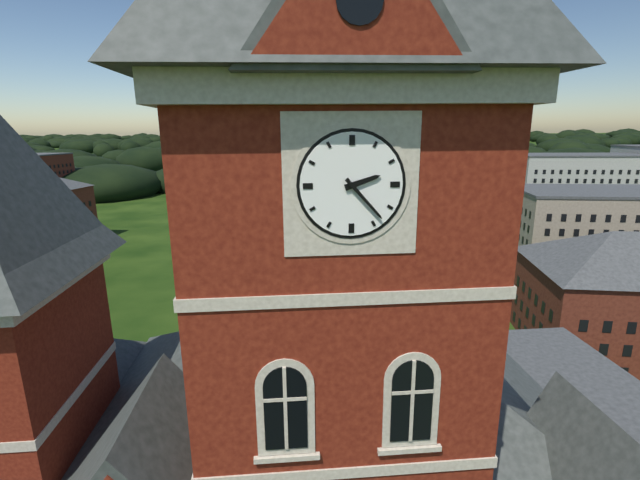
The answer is 2:23
